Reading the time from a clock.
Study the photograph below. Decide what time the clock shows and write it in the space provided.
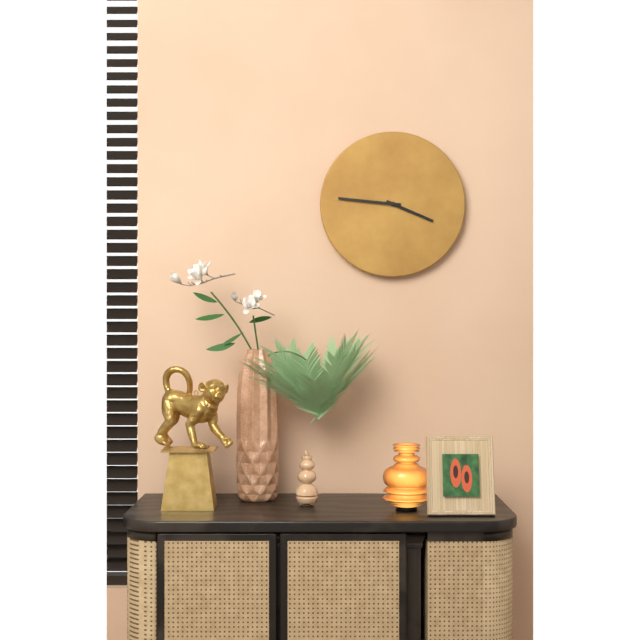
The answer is 3:46
